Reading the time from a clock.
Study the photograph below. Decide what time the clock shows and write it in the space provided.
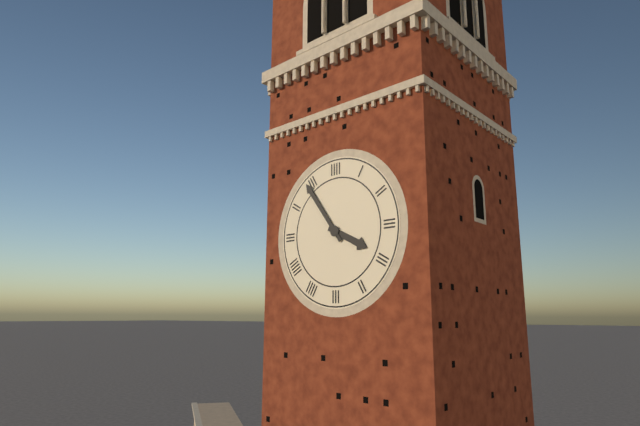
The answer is 3:54
